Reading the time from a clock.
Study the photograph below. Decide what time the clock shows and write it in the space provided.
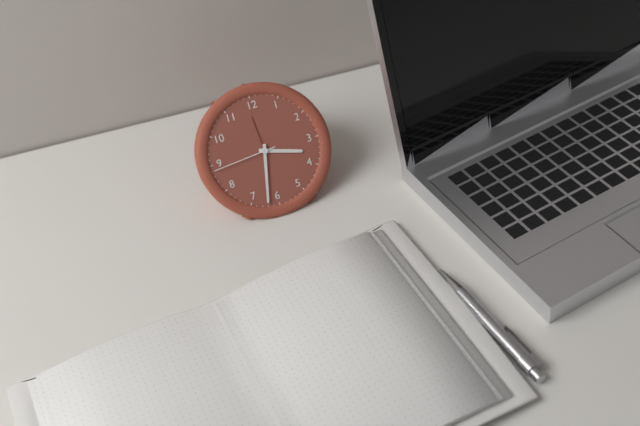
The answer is 3:32:44
